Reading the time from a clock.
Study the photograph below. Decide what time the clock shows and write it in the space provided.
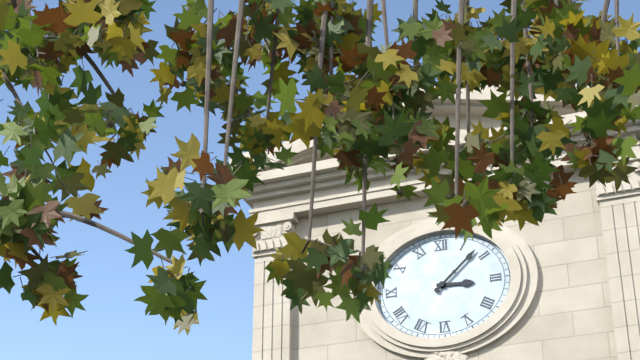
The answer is 3:08
